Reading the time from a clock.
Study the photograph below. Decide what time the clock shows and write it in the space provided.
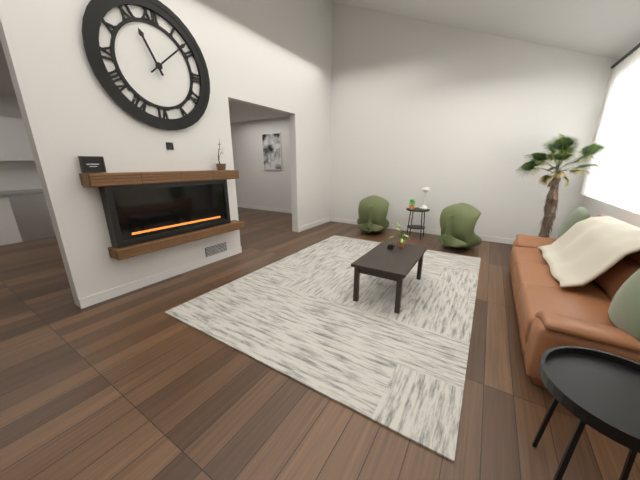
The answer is 11:08
